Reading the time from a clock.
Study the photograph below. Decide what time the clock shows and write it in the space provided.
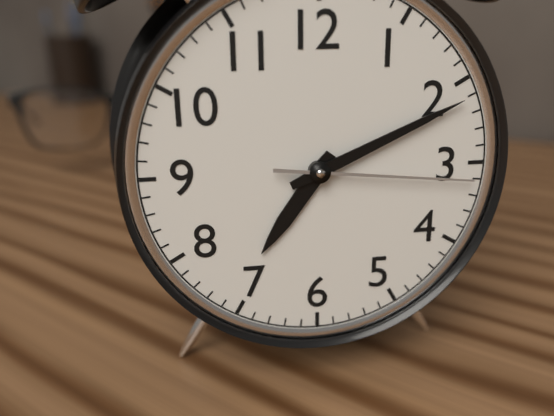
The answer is 7:11:16
